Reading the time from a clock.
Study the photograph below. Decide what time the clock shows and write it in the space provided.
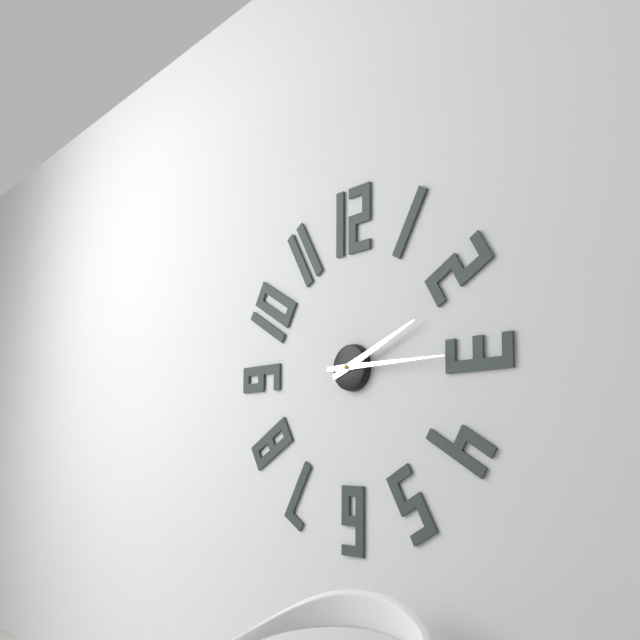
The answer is 2:15
